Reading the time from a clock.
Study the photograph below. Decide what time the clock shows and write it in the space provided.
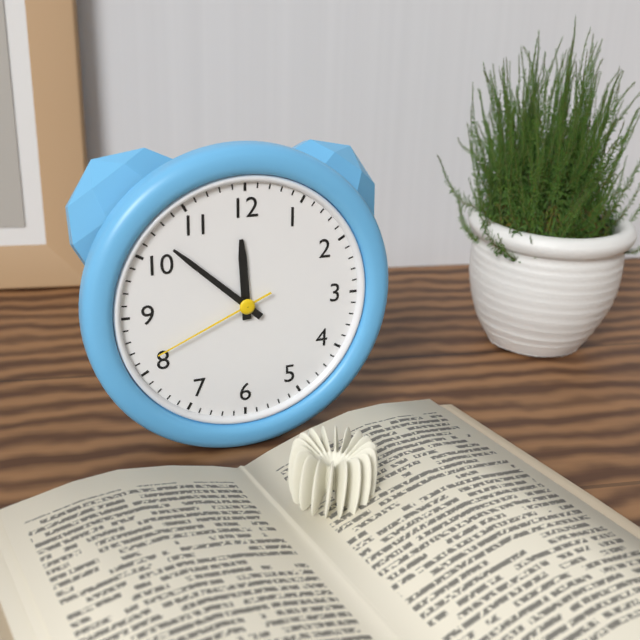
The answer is 11:52:41
